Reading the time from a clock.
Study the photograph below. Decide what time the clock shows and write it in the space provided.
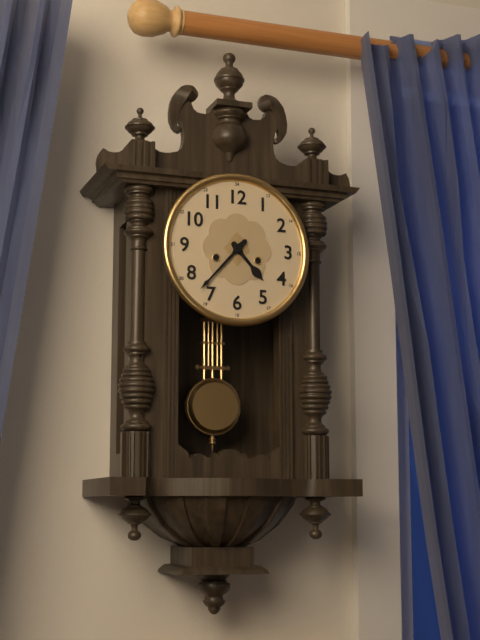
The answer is 4:37
